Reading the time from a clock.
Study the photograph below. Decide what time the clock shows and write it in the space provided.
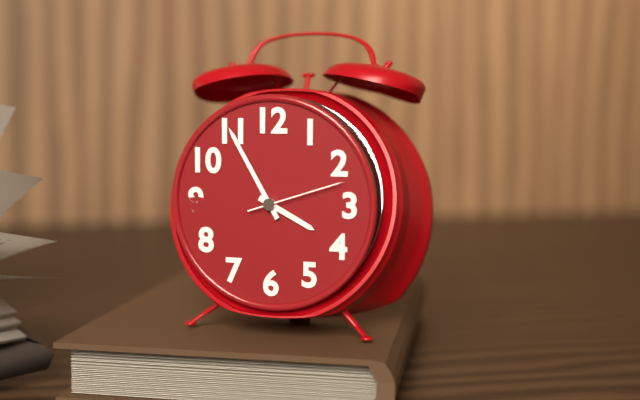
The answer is 3:55:12
